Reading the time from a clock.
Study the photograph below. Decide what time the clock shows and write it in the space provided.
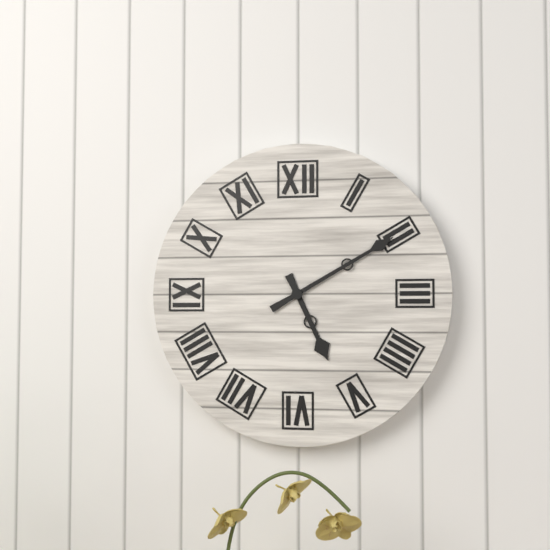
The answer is 5:10
